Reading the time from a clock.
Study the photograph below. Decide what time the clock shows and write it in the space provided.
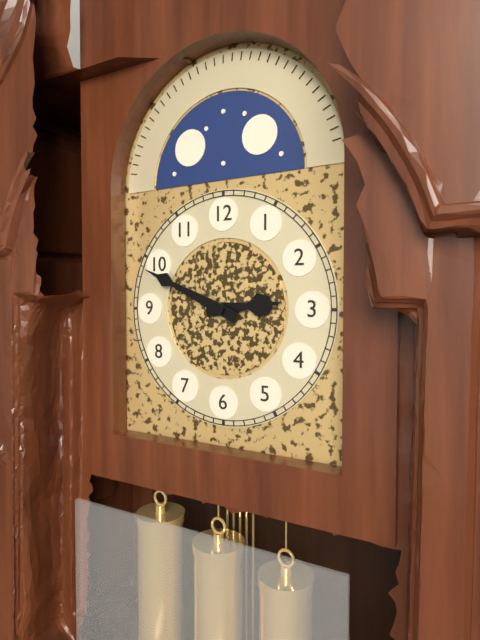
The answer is 2:49
